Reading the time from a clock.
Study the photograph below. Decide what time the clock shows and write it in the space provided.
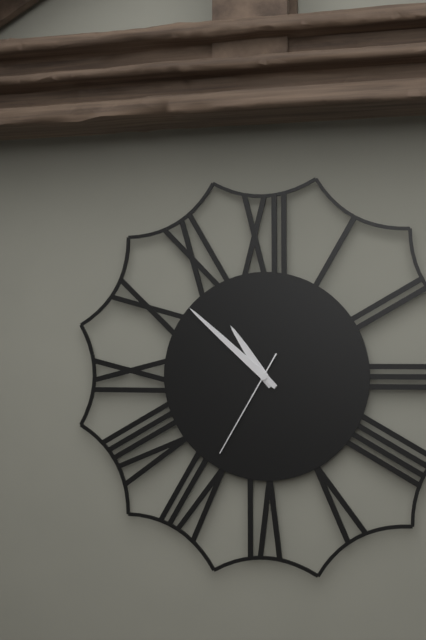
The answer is 10:52:35
